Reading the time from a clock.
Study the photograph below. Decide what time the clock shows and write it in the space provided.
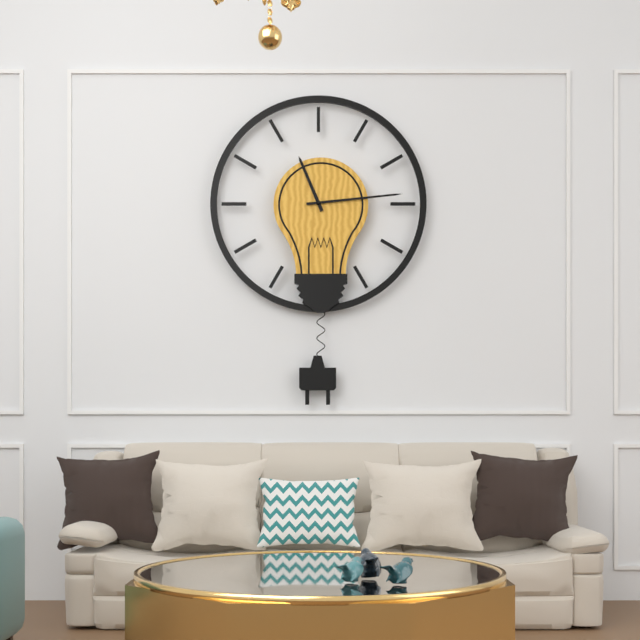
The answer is 11:14
